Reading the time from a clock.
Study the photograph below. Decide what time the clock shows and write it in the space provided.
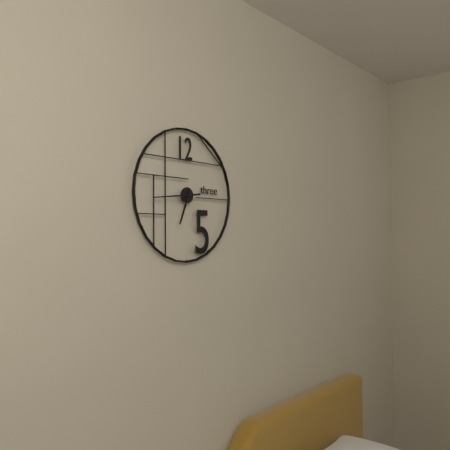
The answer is 6:44
